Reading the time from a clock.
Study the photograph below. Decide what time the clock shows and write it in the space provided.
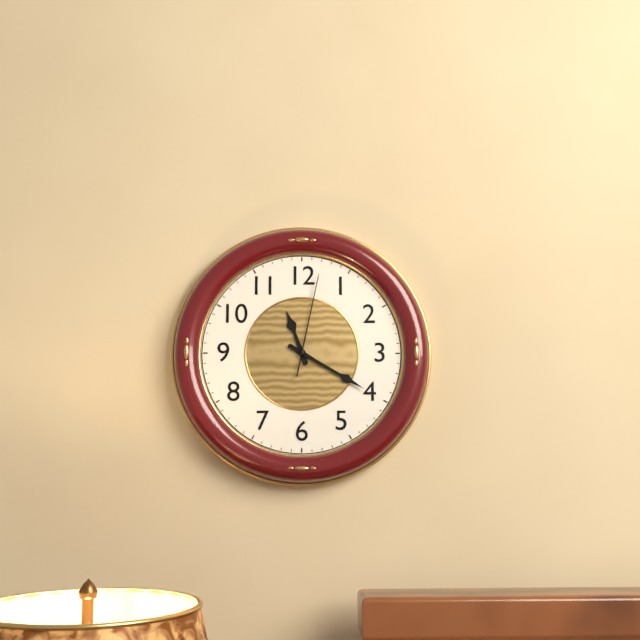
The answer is 11:20:02
